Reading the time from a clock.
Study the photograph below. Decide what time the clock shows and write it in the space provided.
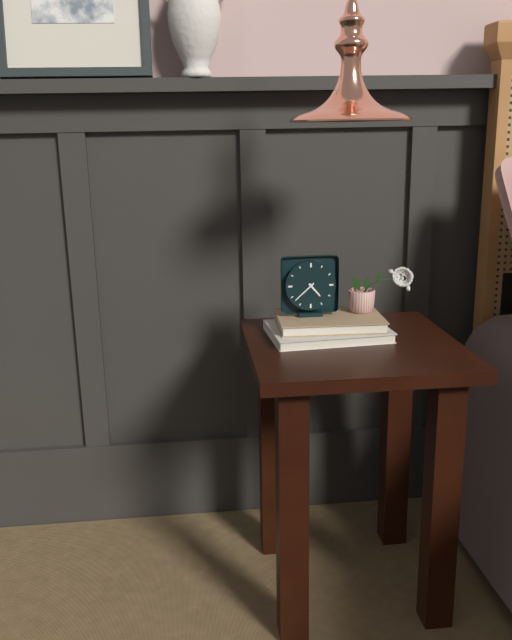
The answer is 4:38
